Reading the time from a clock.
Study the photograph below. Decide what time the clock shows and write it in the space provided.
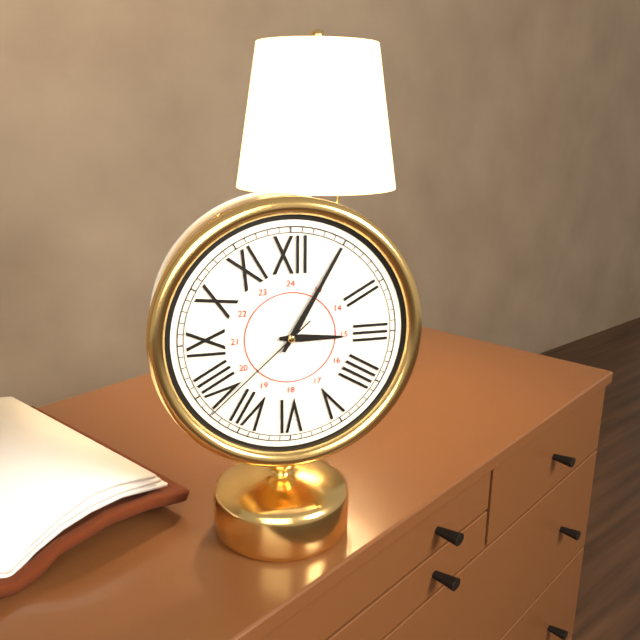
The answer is 3:05:38
